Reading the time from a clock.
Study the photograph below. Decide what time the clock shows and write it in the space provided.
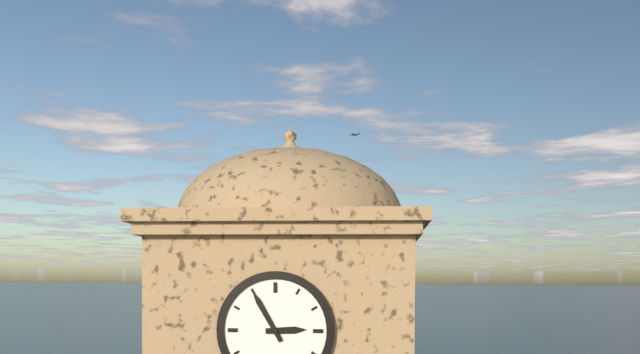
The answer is 2:55
